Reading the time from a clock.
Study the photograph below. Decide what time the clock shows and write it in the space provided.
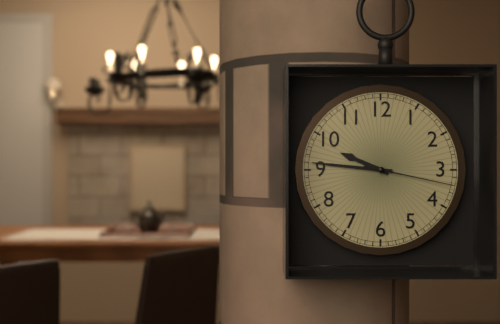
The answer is 9:46:17
